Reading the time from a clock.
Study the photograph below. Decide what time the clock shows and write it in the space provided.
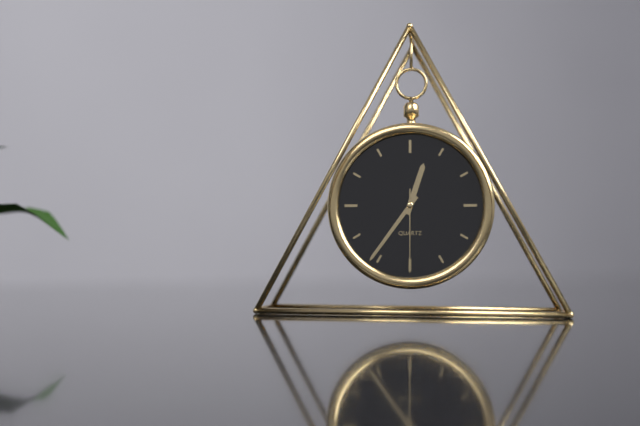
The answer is 12:36:30
